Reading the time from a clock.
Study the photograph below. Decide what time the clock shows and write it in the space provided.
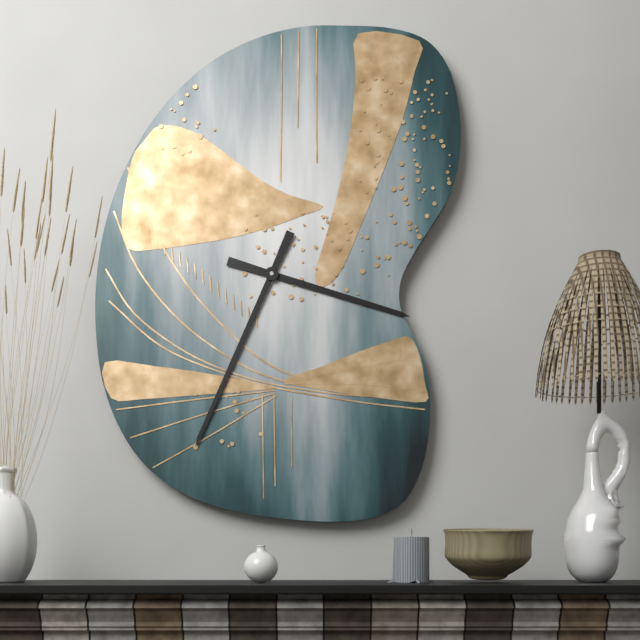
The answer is 3:34
